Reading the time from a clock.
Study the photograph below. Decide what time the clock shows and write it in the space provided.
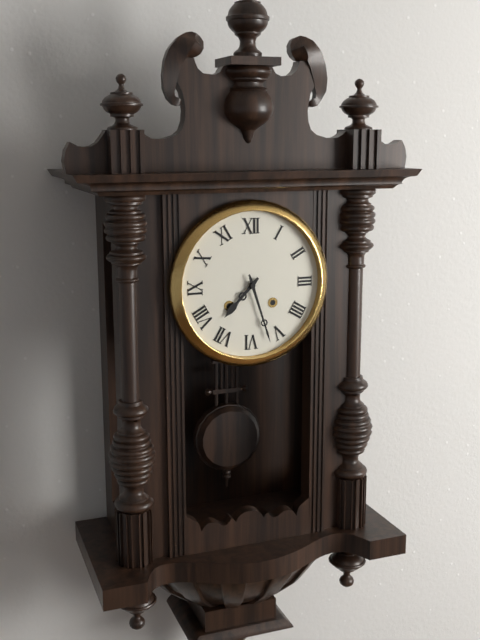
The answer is 7:27
